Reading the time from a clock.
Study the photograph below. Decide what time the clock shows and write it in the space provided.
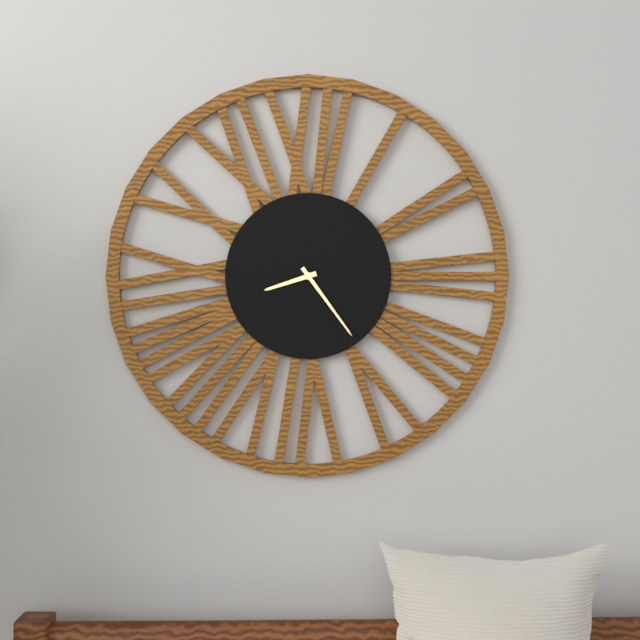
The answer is 8:24
